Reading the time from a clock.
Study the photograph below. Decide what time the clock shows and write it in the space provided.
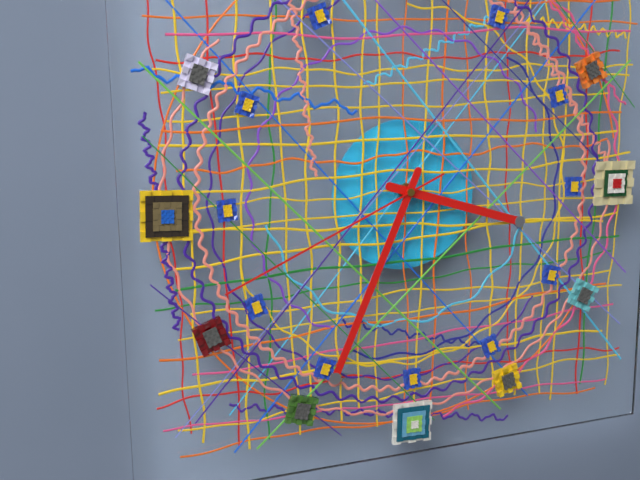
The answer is 3:34:41
